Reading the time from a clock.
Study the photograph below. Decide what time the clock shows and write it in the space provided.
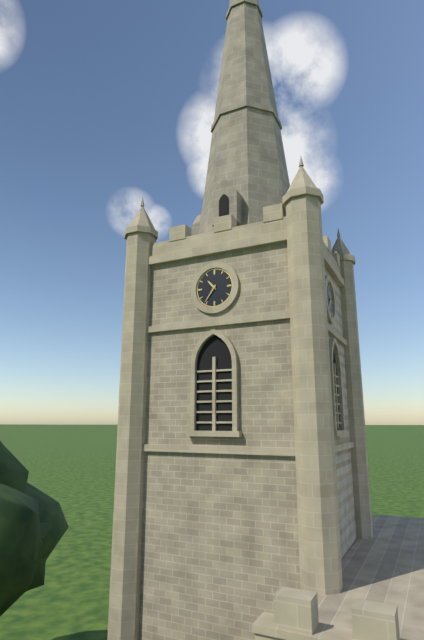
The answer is 10:36
